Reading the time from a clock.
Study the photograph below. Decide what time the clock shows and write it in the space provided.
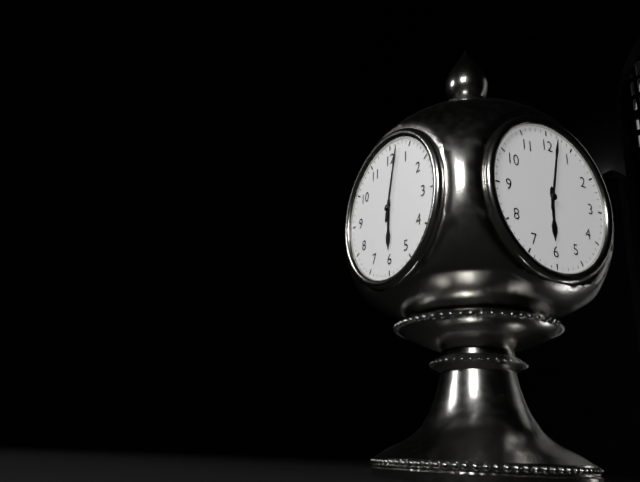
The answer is 6:02
